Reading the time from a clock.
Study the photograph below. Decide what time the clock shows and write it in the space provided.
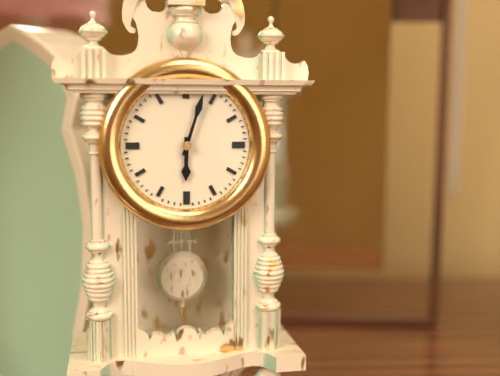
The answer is 6:03
